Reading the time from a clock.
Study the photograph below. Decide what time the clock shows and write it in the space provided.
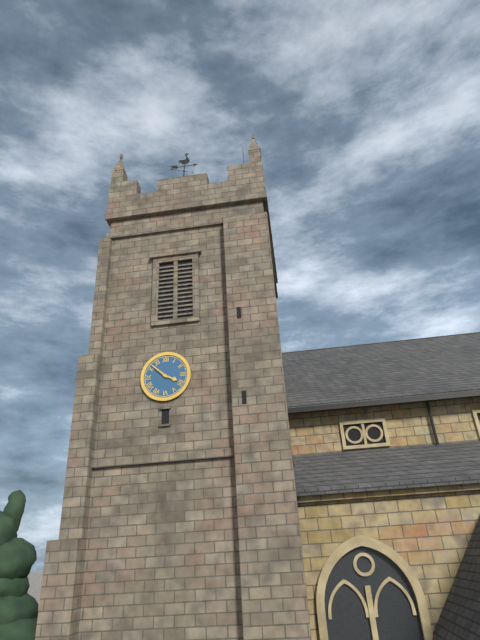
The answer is 3:52
